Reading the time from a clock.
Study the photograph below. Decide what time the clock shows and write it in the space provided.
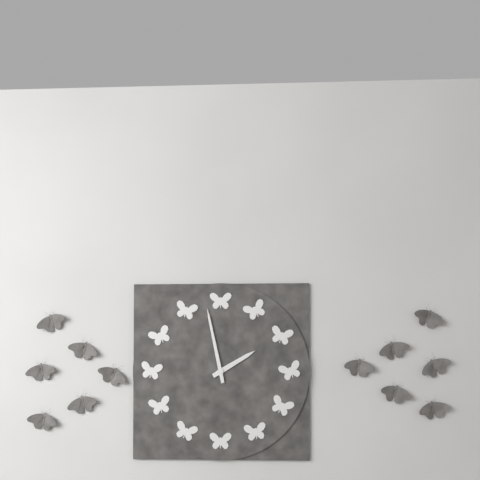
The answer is 1:58
